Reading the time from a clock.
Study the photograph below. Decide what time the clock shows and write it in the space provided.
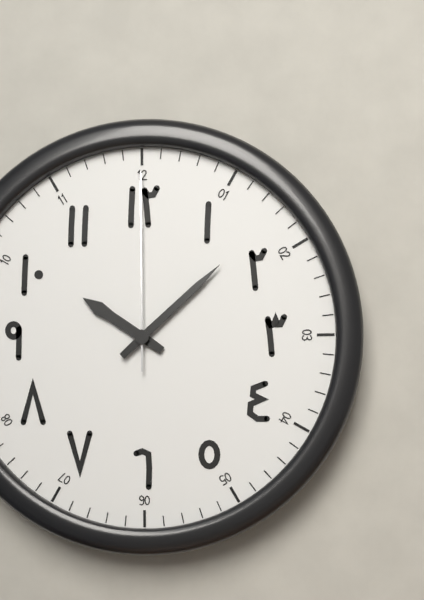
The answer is 10:08:00
